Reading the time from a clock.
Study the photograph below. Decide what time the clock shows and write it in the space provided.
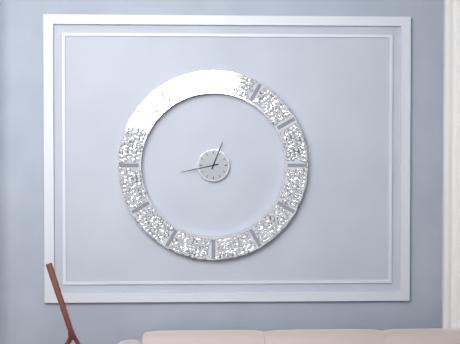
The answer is 12:43
